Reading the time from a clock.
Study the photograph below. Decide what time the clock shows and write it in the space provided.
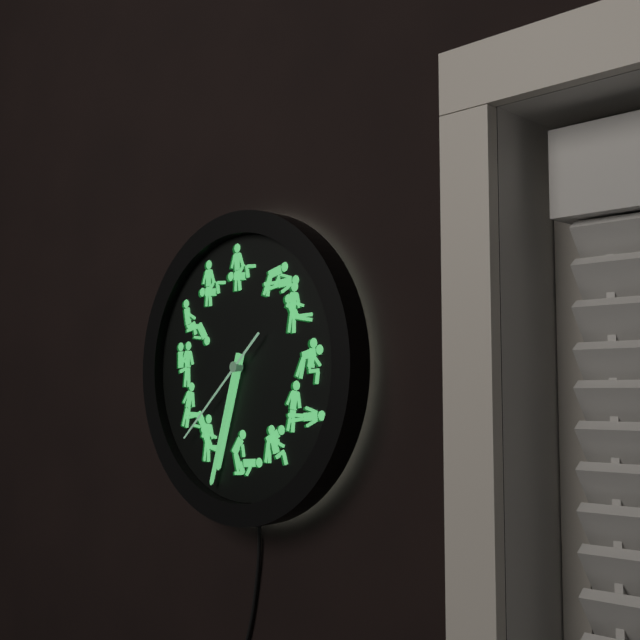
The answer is 6:33:38
